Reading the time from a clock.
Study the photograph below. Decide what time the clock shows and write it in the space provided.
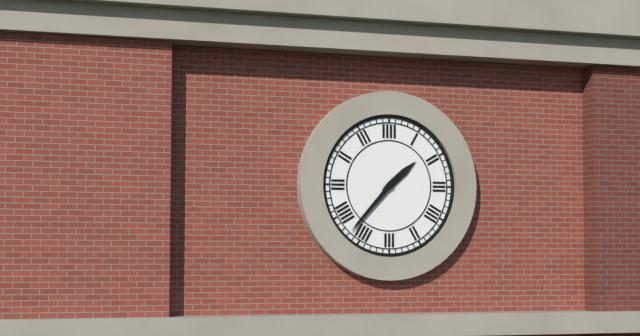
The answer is 1:37
